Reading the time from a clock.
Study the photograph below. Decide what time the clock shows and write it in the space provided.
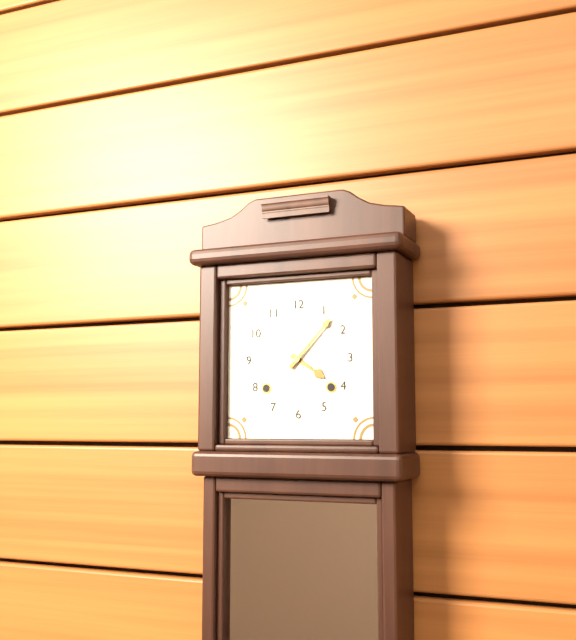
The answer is 4:07
